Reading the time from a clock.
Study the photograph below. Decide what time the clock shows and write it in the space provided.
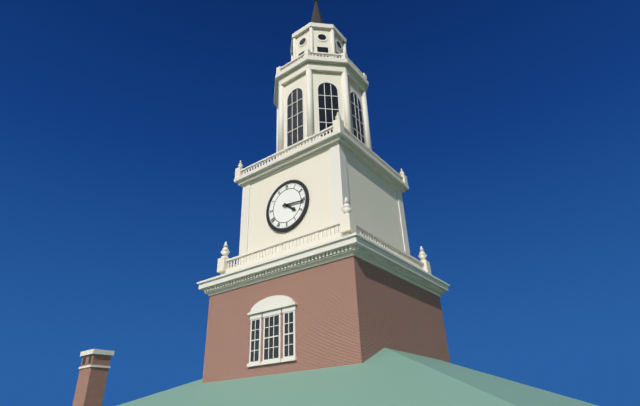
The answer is 4:16
